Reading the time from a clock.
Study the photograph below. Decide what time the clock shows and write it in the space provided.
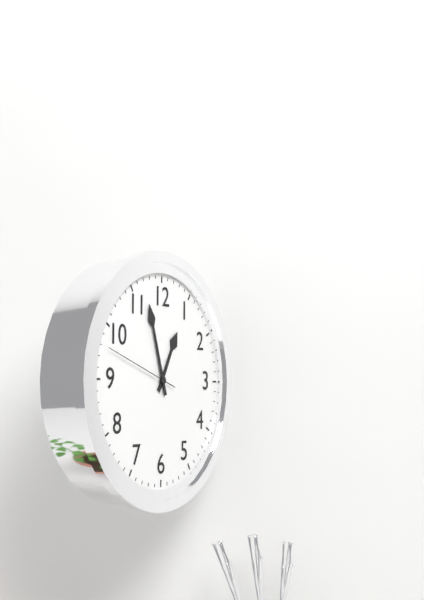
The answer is 12:57:48
